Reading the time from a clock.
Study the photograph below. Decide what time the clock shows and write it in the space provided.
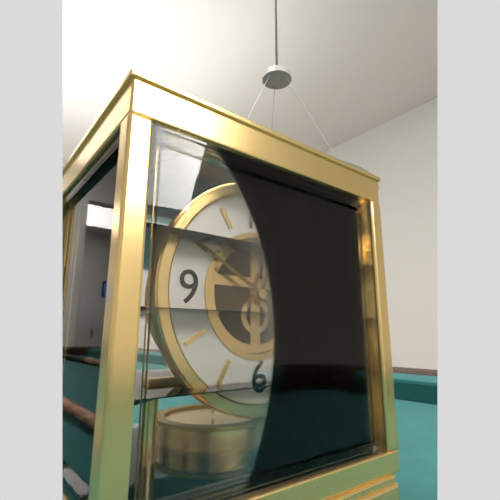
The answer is 12:50
